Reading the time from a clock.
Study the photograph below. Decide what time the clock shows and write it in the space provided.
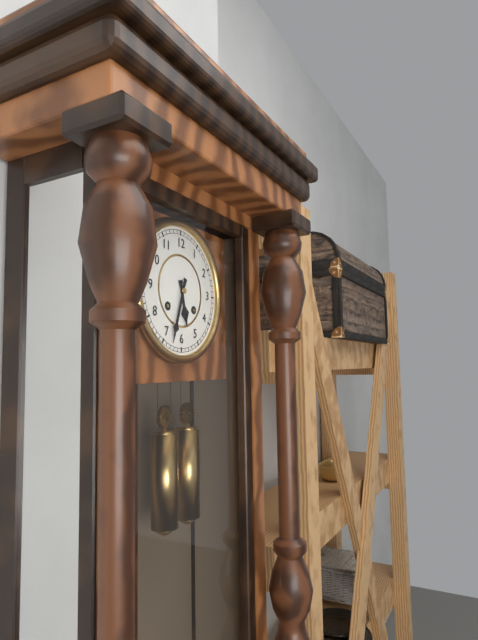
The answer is 5:33
